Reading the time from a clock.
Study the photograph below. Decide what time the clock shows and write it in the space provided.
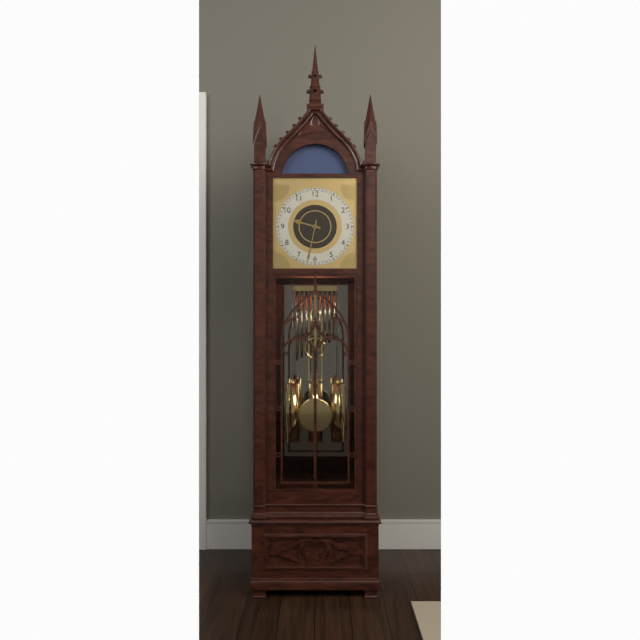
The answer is 9:32
